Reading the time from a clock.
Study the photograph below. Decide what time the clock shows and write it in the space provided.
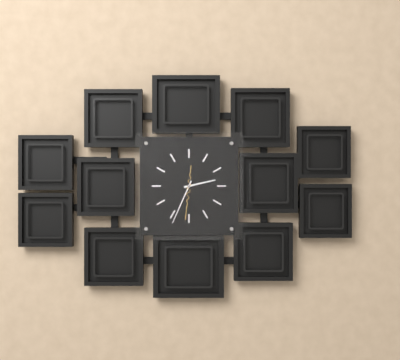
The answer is 2:34
